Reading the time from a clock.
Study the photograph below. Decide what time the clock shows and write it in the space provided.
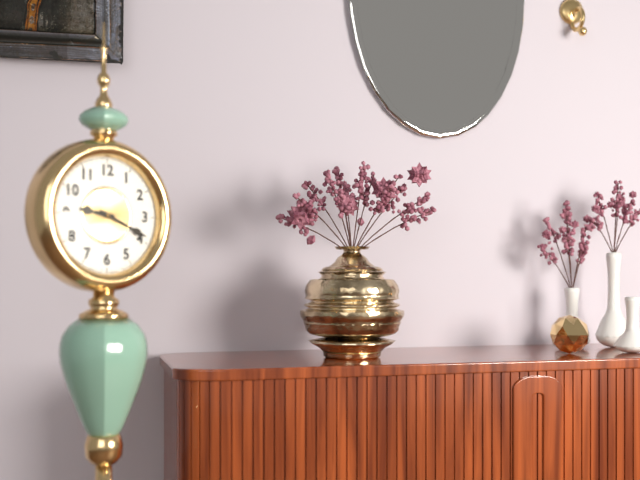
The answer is 9:19
